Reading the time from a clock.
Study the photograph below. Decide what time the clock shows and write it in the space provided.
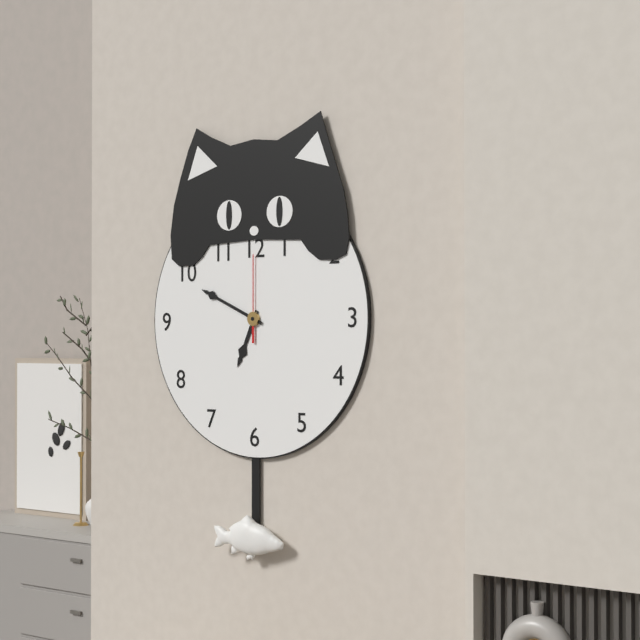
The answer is 6:49:00
